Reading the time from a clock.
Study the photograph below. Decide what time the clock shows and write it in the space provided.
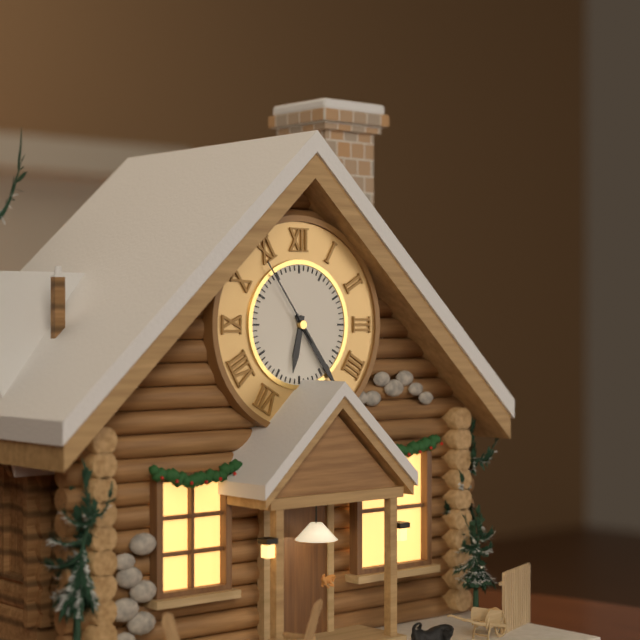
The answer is 6:24:54
